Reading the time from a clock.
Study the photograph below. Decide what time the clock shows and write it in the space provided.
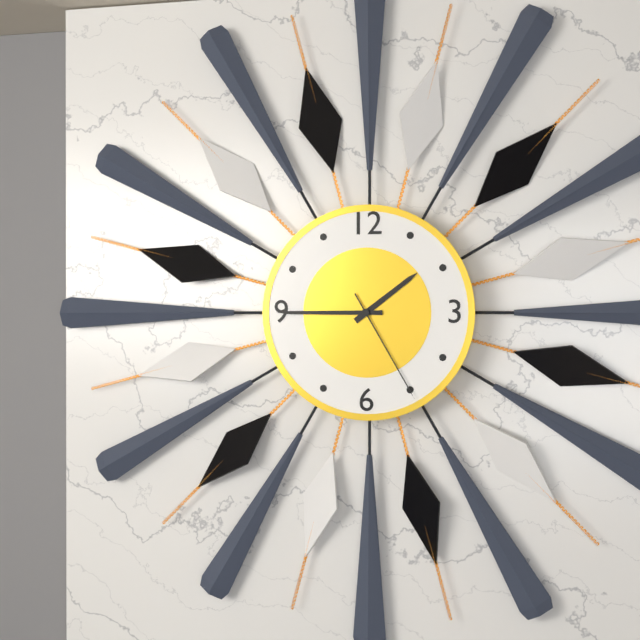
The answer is 1:45:25
